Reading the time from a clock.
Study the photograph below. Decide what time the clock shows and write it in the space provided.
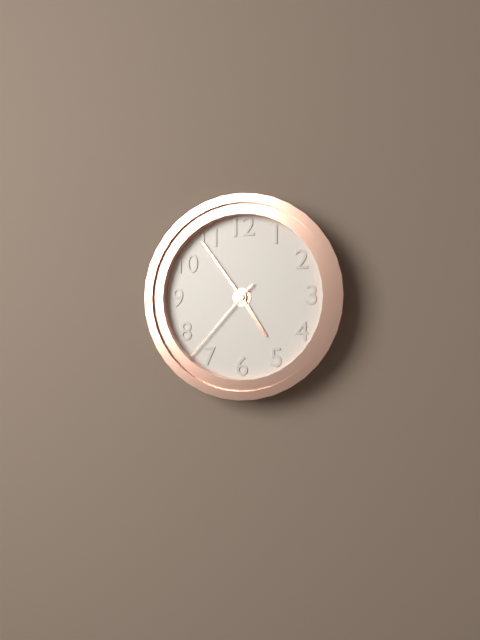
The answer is 4:54:37
